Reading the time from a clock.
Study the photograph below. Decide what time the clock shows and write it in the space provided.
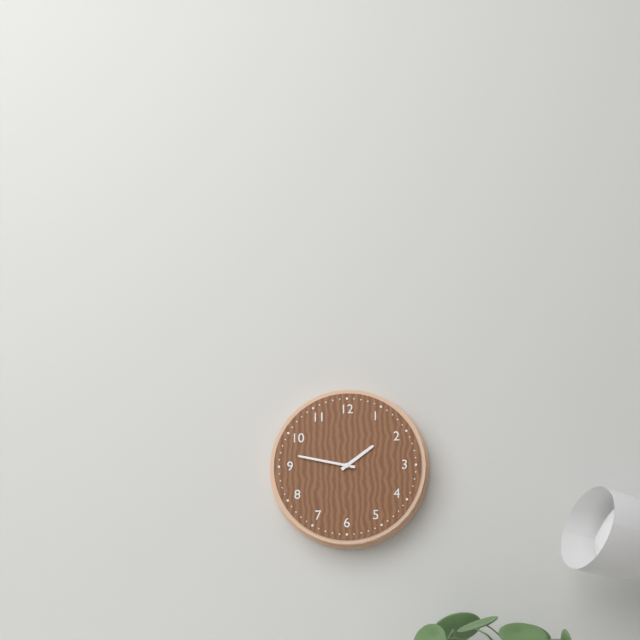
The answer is 1:47
